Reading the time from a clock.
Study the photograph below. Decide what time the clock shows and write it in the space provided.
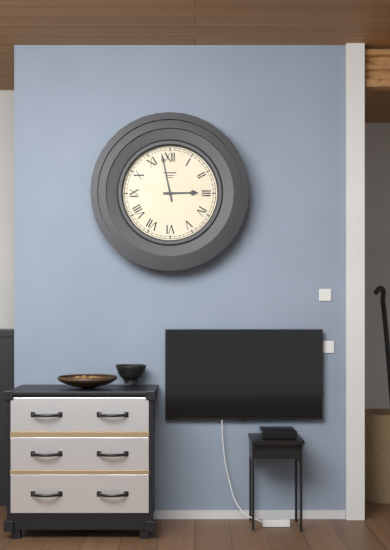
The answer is 2:58
